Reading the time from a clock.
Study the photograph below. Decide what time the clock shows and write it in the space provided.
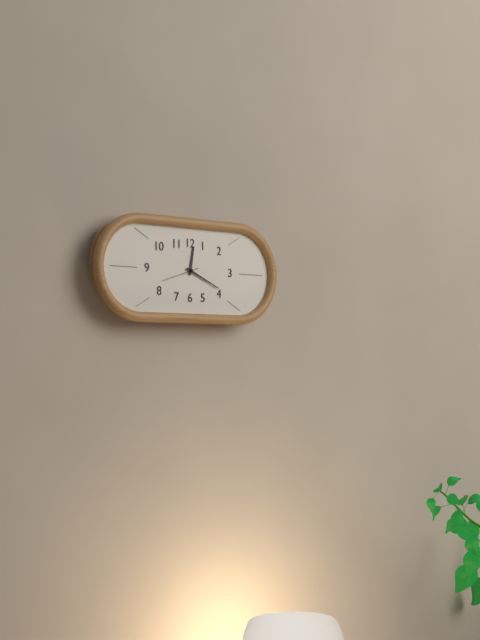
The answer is 12:19
